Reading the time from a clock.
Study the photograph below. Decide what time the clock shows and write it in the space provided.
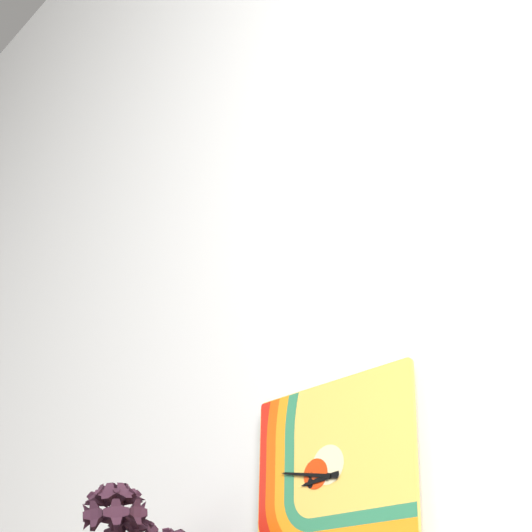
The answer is 8:47
